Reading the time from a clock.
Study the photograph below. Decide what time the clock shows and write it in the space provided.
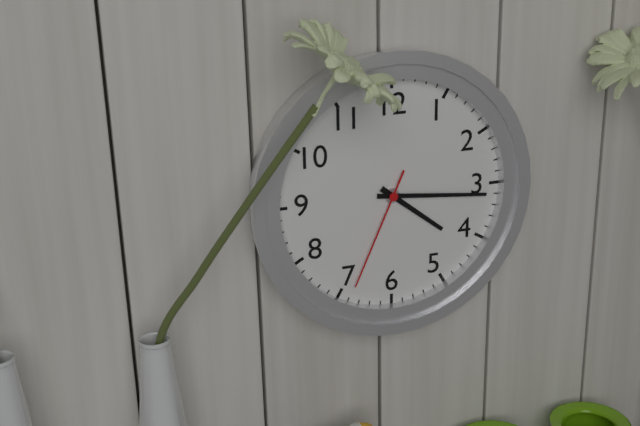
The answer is 4:16:34
